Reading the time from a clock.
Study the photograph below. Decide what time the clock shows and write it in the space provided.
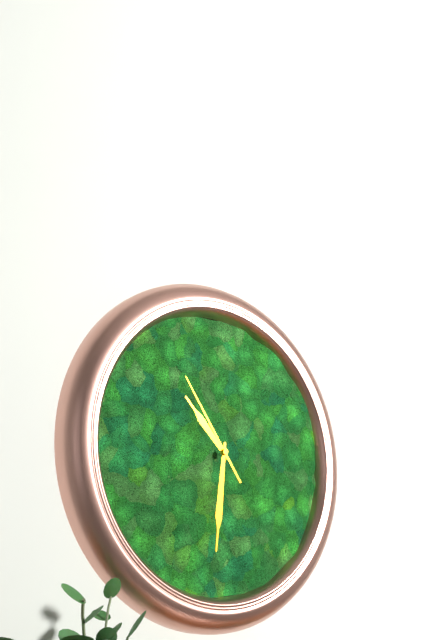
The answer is 10:31:54
